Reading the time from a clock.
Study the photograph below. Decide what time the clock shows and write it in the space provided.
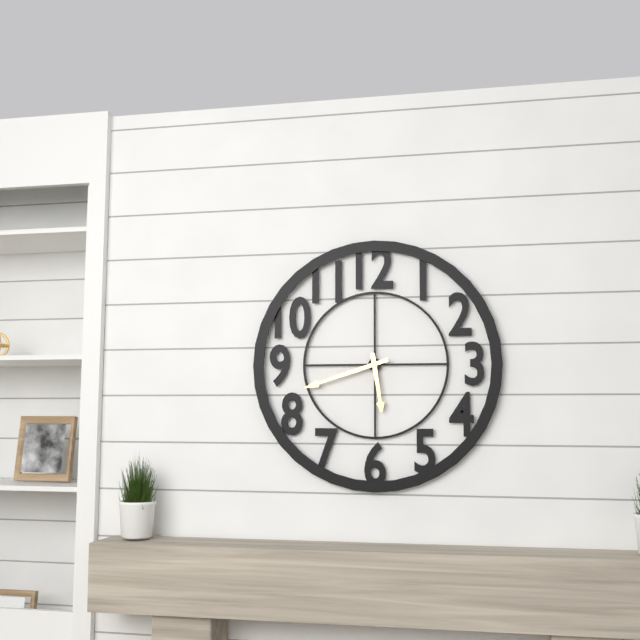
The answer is 5:42
